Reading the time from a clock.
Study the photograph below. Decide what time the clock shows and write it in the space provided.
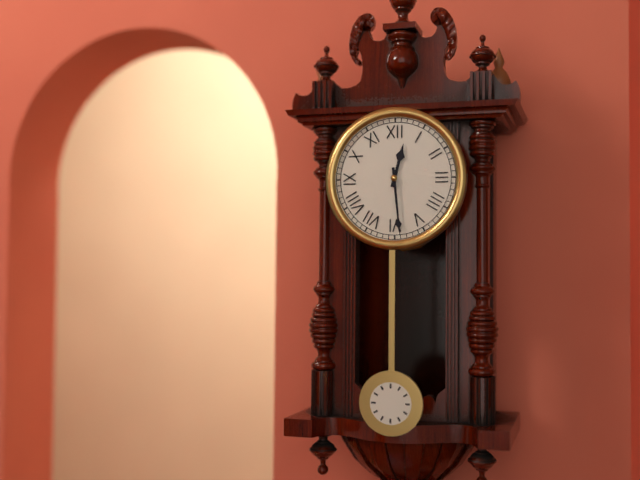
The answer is 12:29
